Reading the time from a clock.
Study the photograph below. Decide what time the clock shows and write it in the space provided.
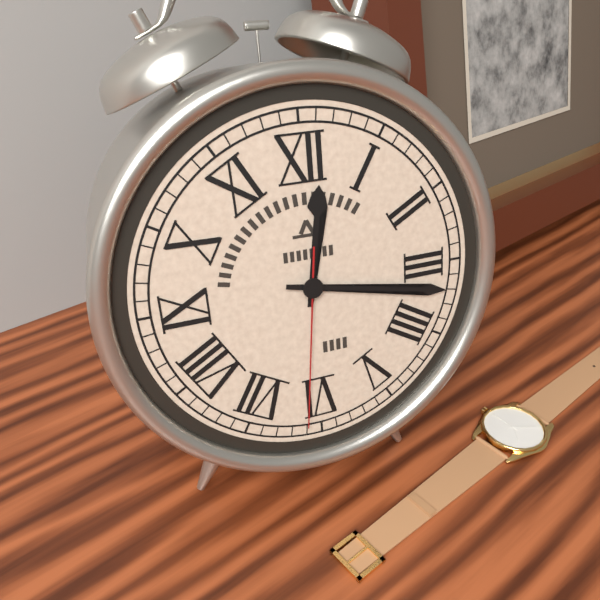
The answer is 12:17:31
